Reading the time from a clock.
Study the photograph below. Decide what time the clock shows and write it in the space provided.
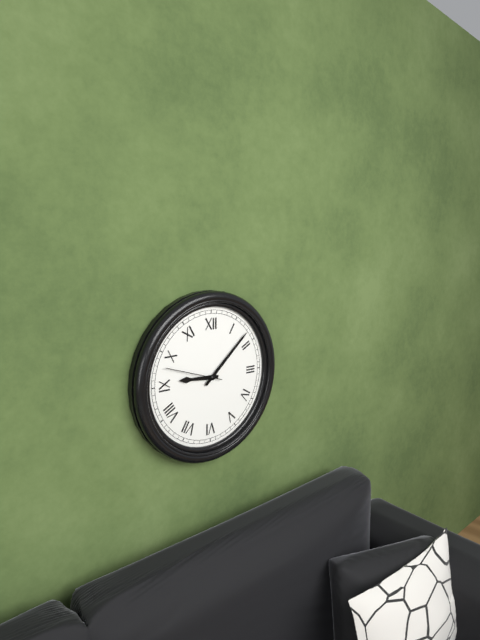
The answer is 9:08:48
